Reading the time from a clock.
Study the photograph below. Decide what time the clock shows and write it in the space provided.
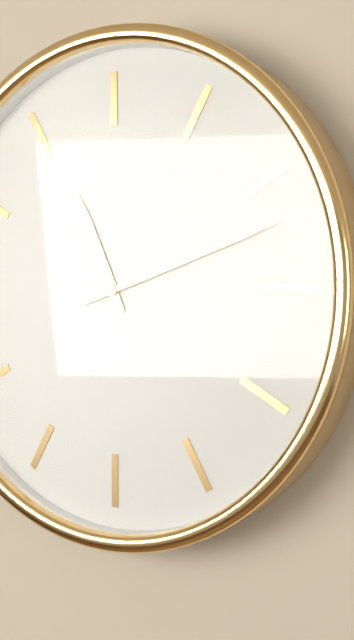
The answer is 11:12
